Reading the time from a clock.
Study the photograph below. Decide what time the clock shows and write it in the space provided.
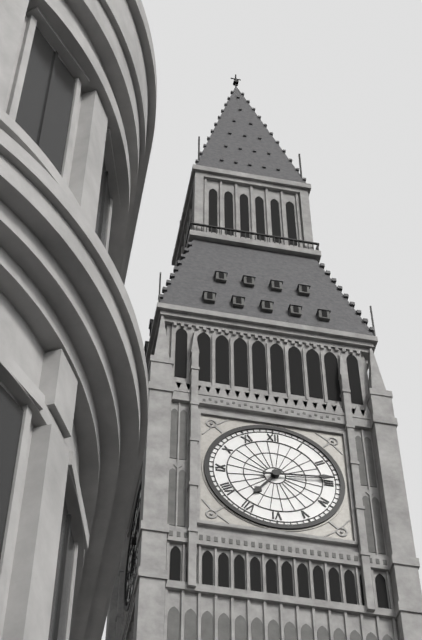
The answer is 7:14
